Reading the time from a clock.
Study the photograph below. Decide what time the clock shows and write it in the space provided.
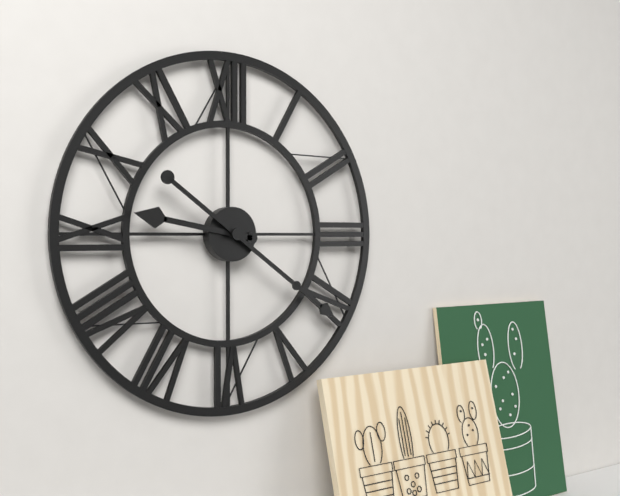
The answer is 9:21
